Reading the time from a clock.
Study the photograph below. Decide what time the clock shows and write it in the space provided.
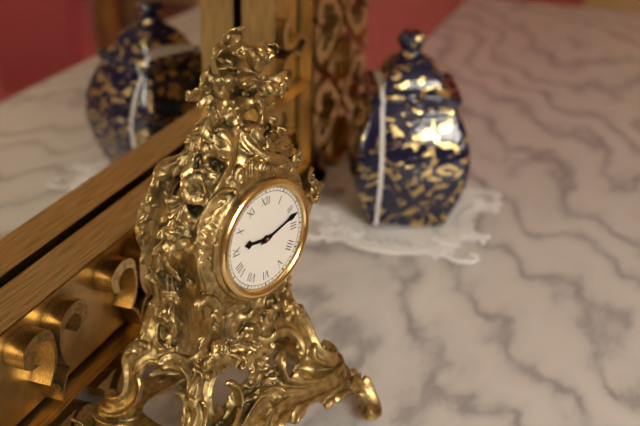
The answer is 9:12
